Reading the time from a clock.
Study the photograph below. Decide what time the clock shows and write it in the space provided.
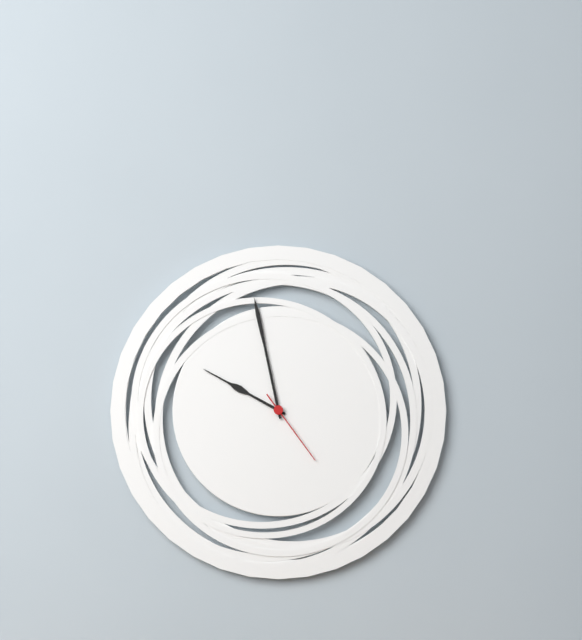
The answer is 9:58:24
